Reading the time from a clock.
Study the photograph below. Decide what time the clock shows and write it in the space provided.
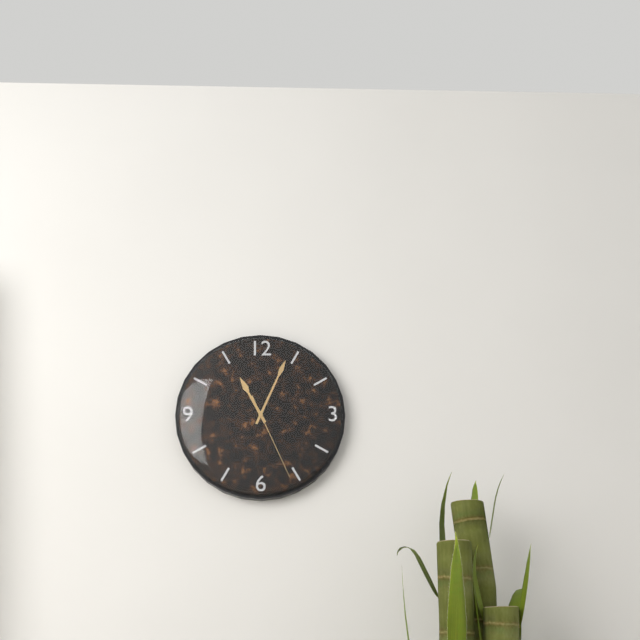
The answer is 11:04:26
